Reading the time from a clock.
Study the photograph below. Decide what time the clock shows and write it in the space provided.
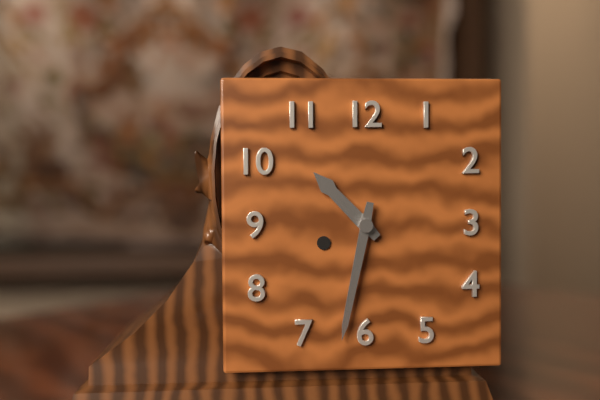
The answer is 10:32
